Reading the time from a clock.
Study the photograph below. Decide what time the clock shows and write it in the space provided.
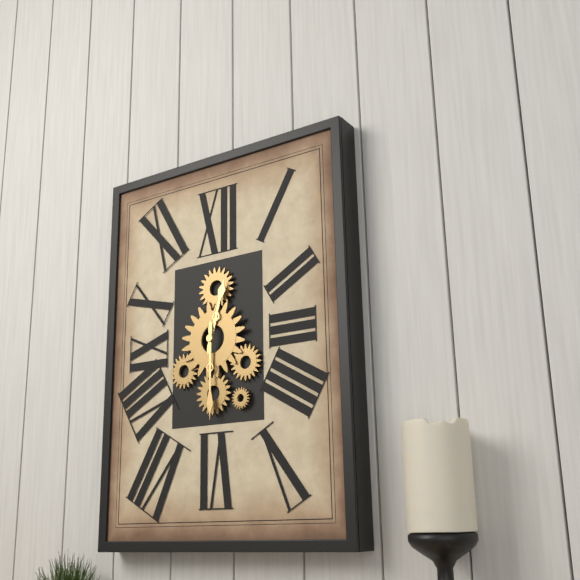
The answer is 12:30
